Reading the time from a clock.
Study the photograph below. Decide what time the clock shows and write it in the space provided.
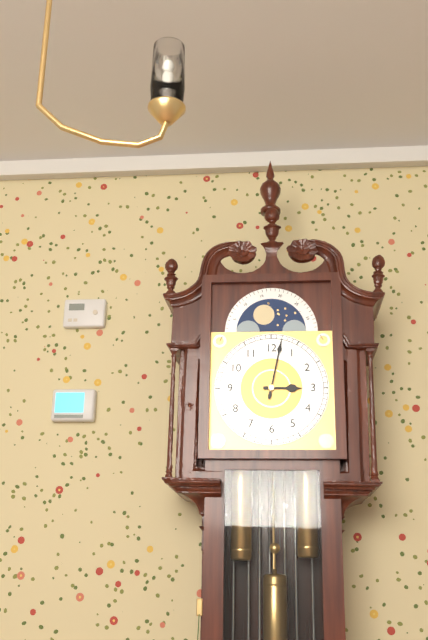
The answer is 3:02
